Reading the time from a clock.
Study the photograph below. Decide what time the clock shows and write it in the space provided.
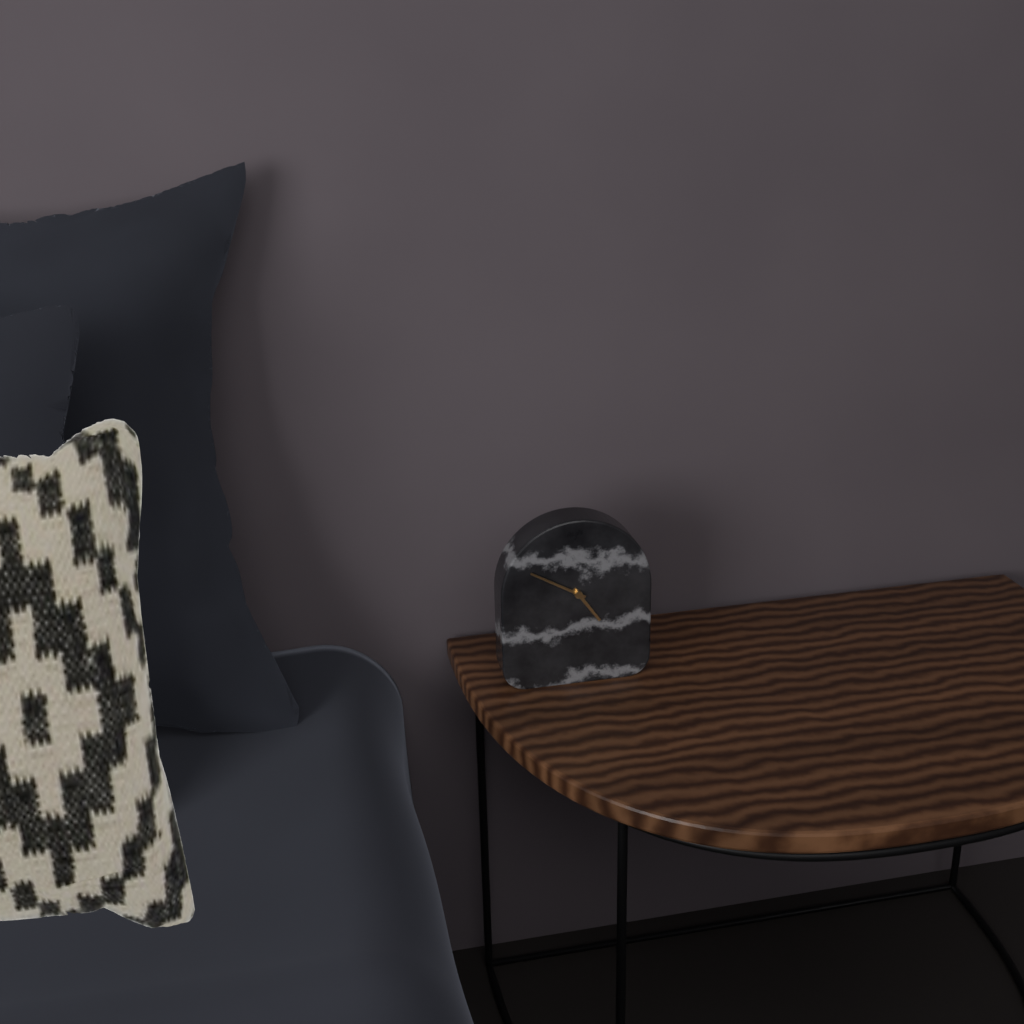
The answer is 4:50
